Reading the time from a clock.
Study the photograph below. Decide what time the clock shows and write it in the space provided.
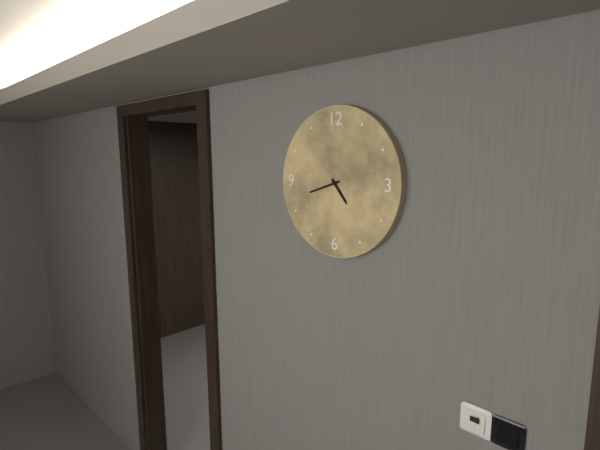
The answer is 4:42
